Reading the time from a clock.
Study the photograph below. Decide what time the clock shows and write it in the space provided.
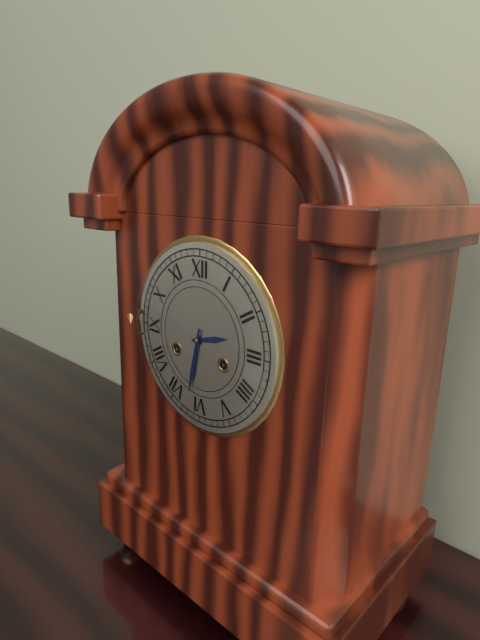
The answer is 2:32
